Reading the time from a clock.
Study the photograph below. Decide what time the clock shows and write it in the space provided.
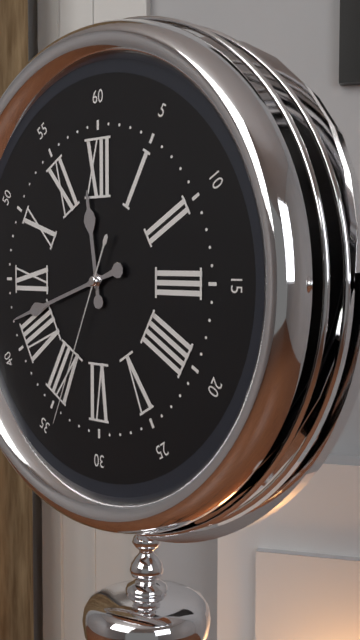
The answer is 11:42:34
